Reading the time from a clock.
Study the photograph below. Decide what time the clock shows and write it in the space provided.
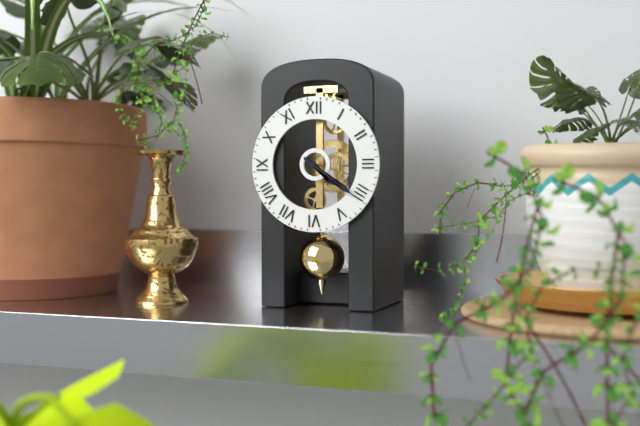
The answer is 4:21
